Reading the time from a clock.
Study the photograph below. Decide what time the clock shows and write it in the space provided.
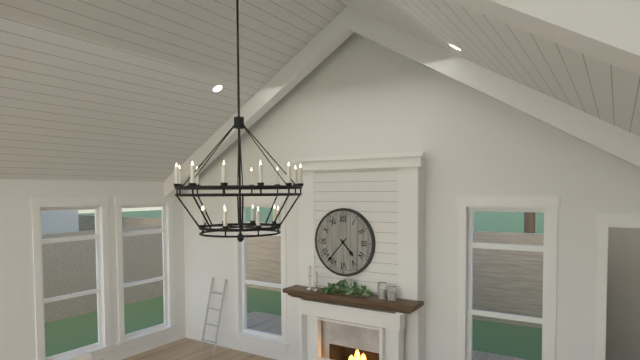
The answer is 4:37
